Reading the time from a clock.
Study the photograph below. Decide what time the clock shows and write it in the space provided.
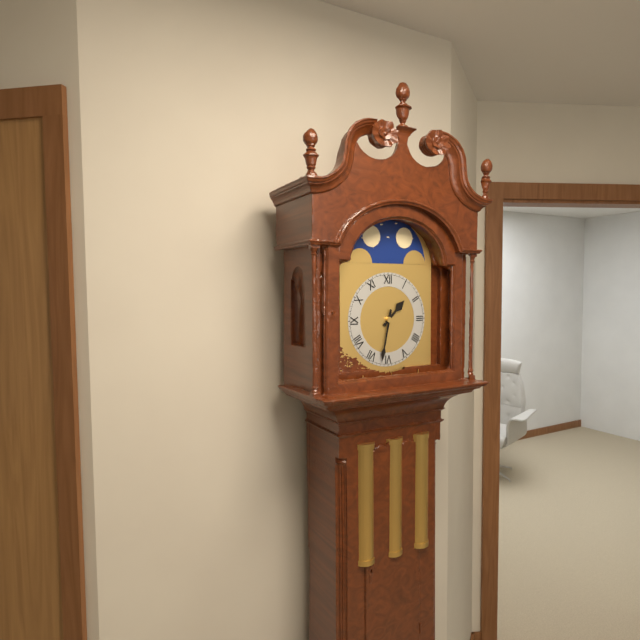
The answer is 1:32
